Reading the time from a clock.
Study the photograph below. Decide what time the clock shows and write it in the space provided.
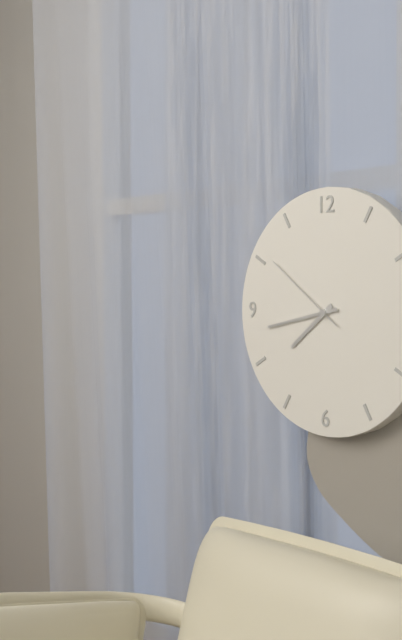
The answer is 7:43:51
